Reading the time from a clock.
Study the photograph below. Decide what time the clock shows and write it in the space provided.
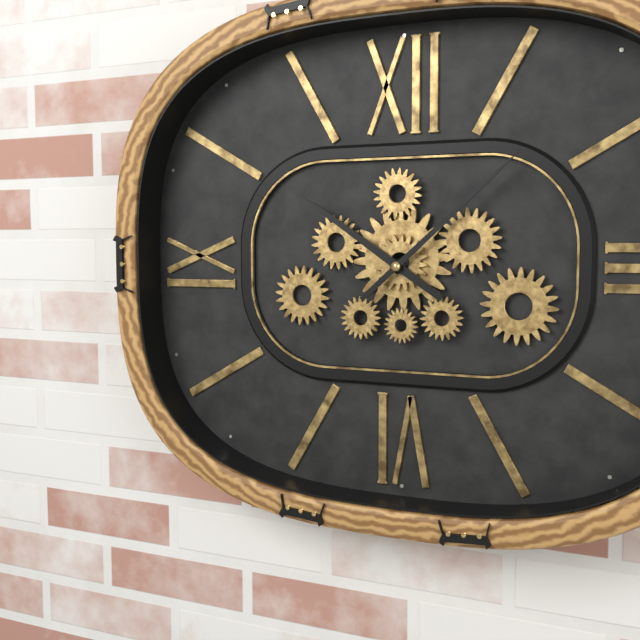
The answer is 10:08
